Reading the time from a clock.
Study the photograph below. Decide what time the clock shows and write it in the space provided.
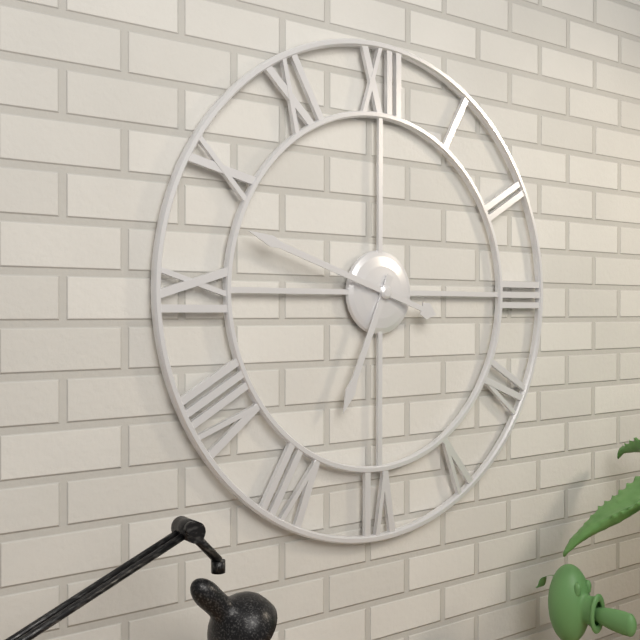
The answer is 6:48
